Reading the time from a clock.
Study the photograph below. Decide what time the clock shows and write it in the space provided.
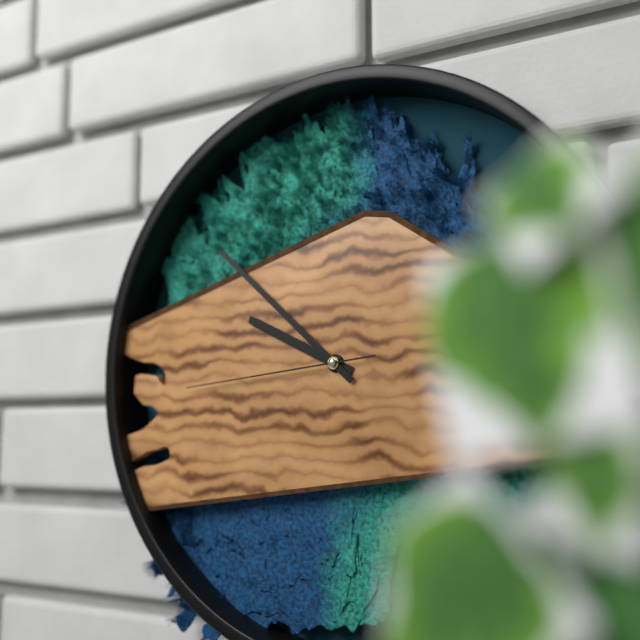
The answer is 9:52:44
